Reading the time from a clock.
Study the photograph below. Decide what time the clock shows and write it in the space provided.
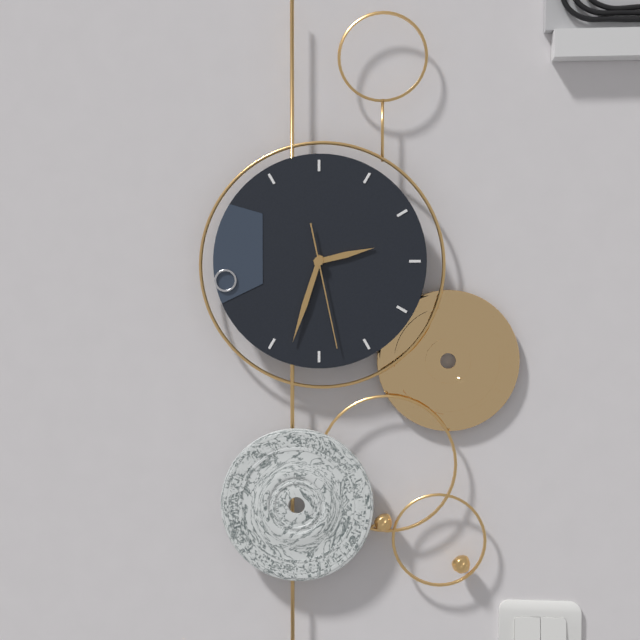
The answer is 2:33:28
